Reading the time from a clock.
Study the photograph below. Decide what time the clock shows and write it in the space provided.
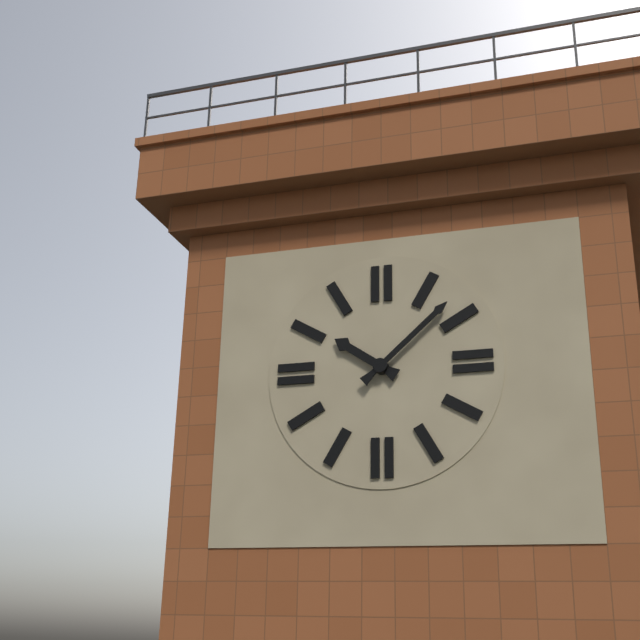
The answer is 10:08
